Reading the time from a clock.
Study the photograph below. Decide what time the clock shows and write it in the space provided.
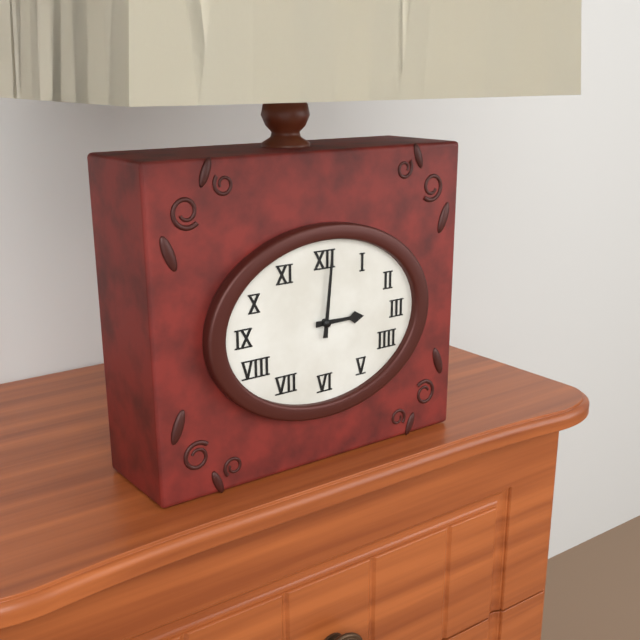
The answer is 3:01
